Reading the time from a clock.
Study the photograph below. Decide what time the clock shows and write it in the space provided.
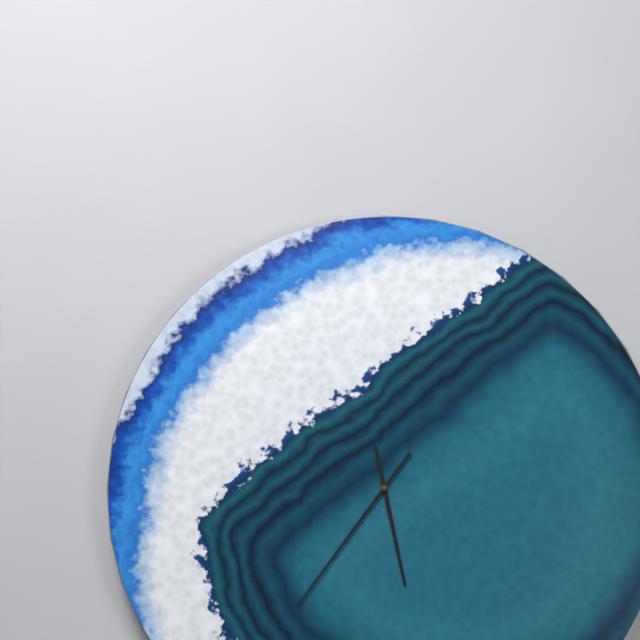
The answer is 5:36
